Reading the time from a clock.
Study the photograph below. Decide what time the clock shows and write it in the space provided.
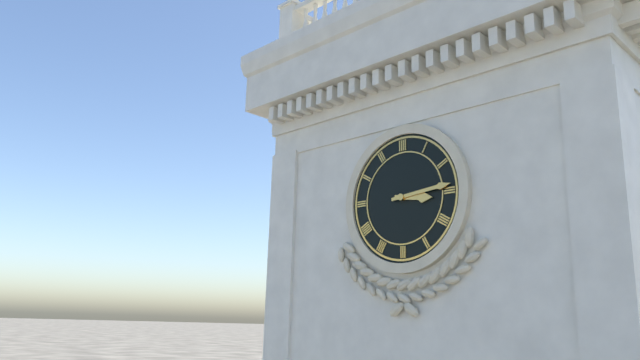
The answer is 3:14
